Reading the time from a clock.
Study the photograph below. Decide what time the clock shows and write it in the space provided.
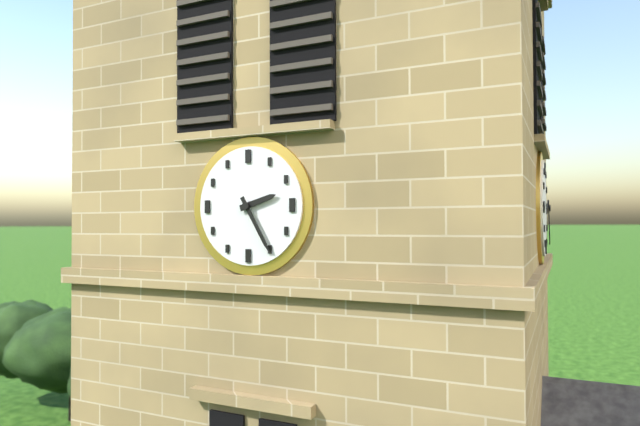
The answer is 2:25
